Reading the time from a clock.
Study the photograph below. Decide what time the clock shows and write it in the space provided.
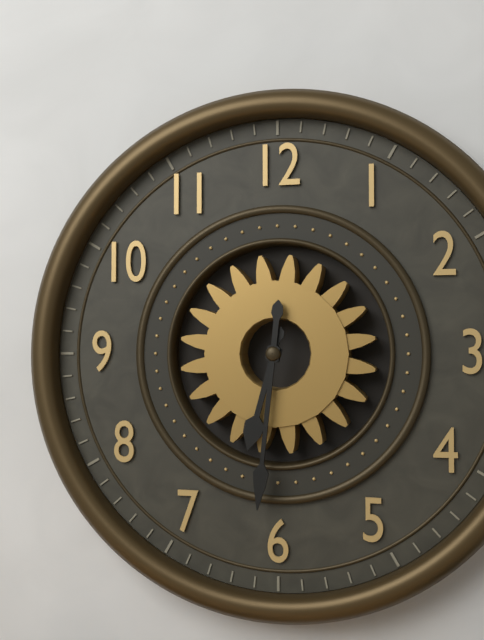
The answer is 6:31
